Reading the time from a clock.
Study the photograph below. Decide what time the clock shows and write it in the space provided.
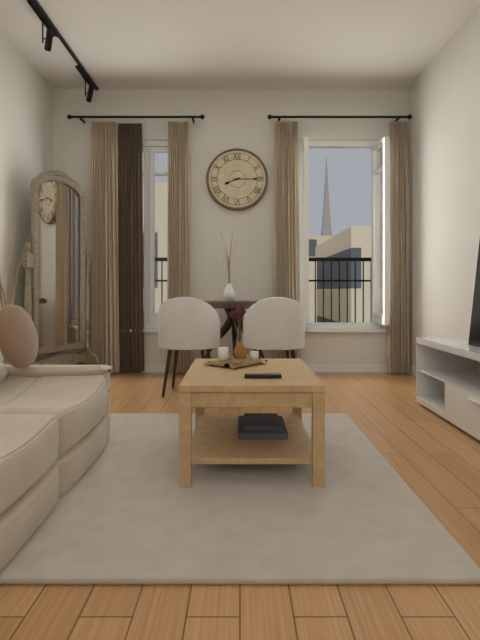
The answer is 8:15
